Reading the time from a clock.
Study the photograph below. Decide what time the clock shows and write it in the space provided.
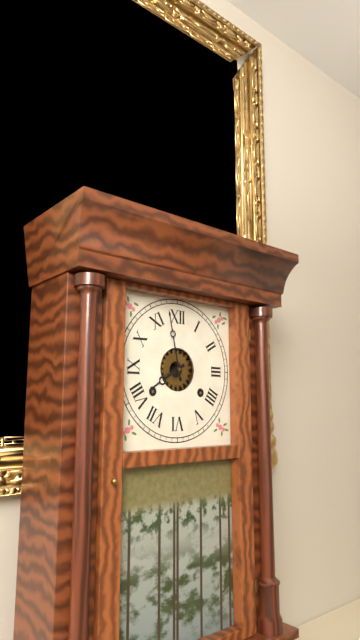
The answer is 7:58
